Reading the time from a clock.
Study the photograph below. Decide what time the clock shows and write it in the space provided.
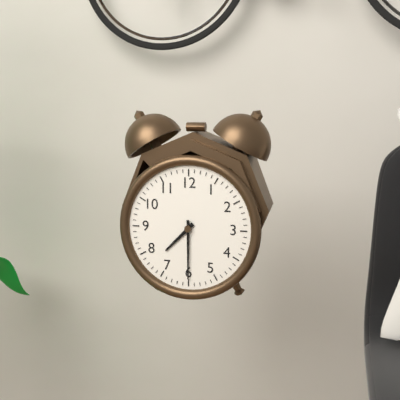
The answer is 7:30
